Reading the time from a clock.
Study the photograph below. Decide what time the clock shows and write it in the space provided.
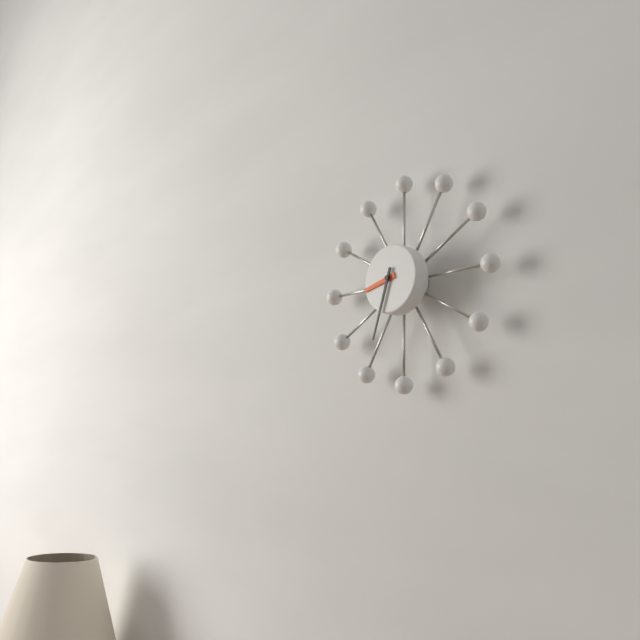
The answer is 8:33
